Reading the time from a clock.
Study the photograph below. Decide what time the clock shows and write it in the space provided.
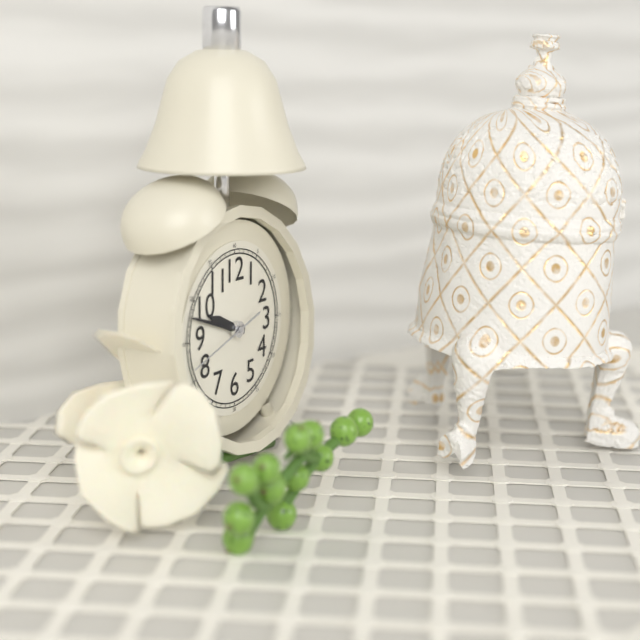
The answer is 9:48:42
